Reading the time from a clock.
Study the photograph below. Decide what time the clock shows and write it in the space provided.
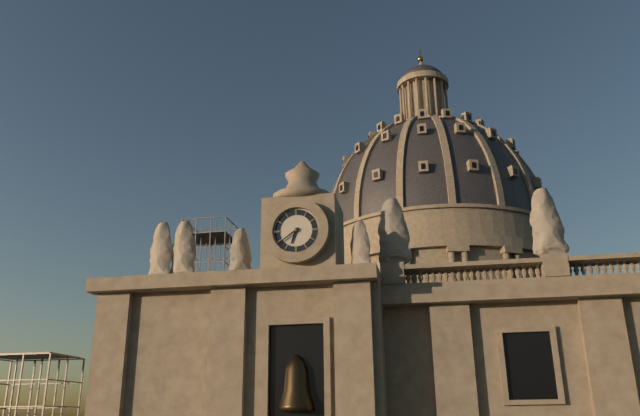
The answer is 6:39
